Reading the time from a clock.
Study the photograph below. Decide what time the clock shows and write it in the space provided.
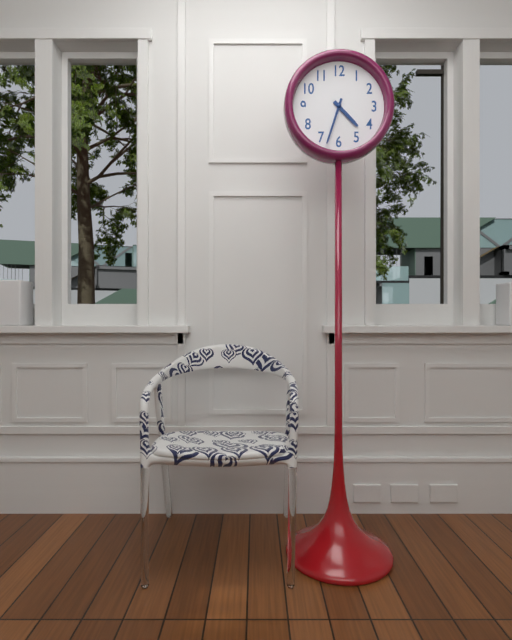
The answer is 4:33
